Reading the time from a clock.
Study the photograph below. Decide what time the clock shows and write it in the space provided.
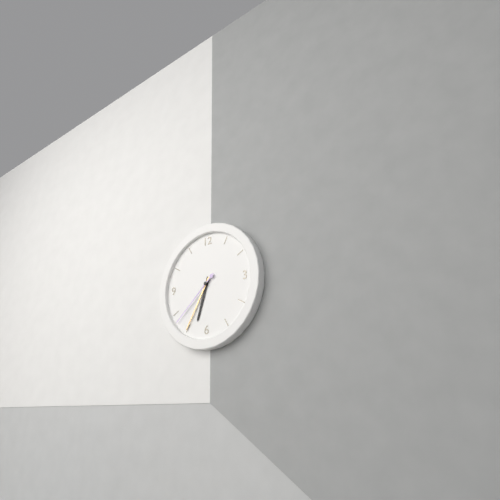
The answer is 6:35:38
